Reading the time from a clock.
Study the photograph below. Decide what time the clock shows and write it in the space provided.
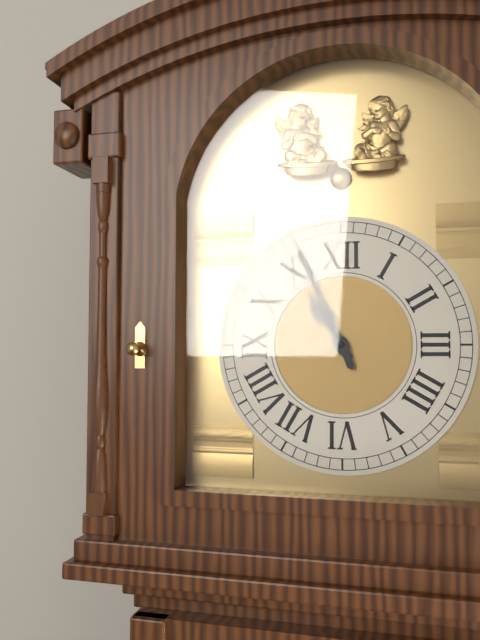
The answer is 10:56
